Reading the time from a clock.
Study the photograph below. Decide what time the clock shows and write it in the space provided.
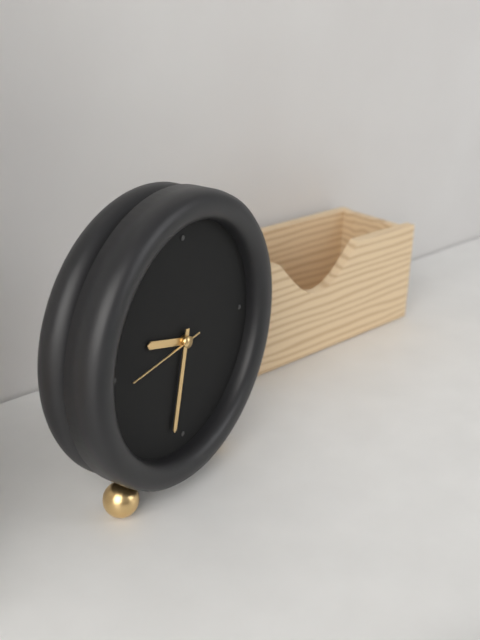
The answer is 9:32:44
